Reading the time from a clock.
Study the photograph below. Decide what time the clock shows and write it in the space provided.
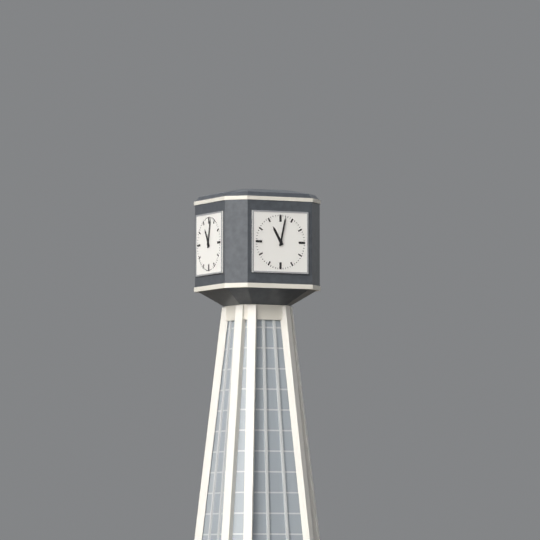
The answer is 11:02
